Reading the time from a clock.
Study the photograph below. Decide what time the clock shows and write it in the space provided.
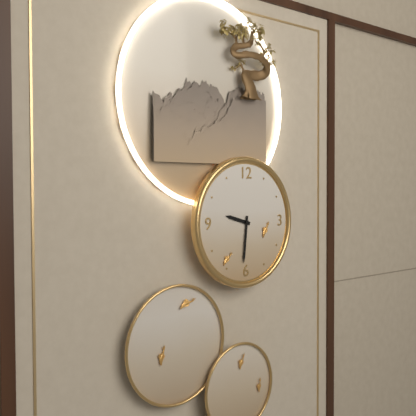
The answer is 9:31
